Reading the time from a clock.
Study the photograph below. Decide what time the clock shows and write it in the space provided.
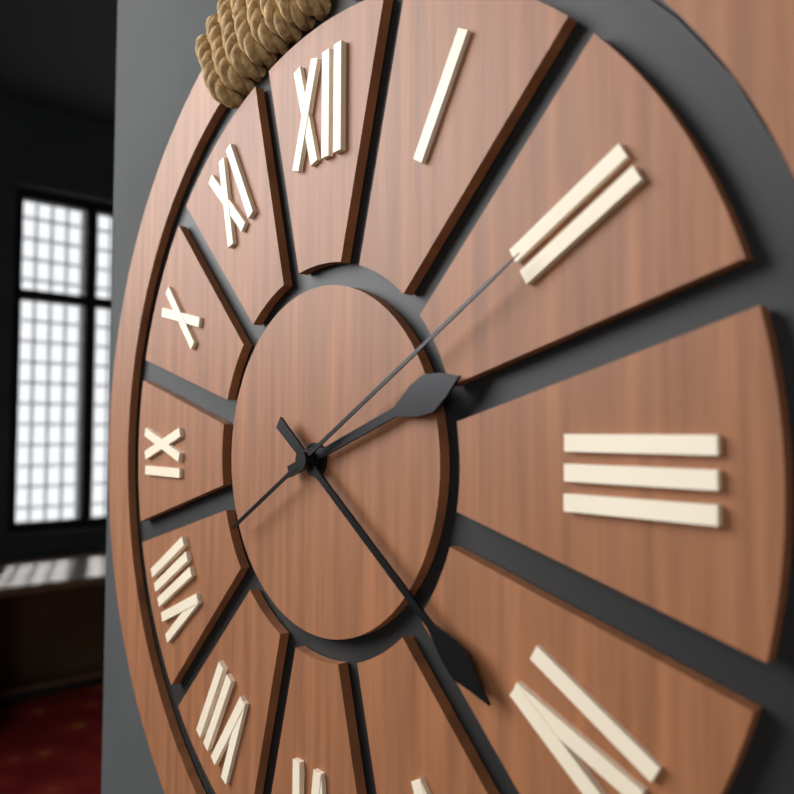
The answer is 2:21:10
